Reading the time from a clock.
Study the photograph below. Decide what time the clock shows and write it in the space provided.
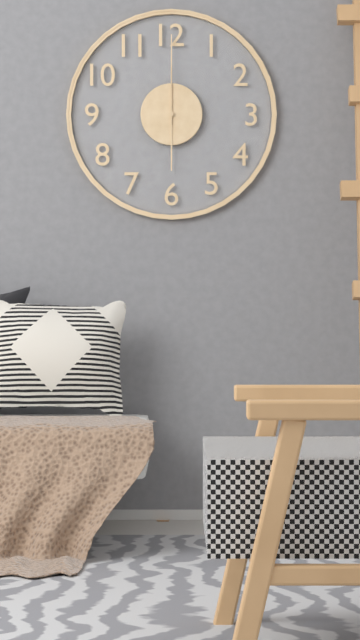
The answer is 6:00:00
